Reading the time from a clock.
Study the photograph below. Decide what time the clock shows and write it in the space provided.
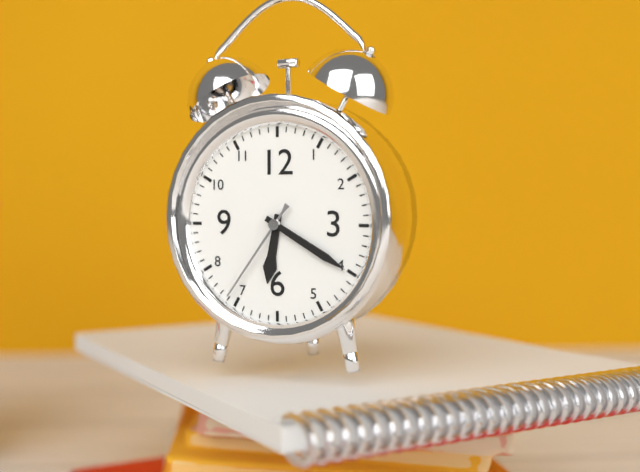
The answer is 6:20:36
